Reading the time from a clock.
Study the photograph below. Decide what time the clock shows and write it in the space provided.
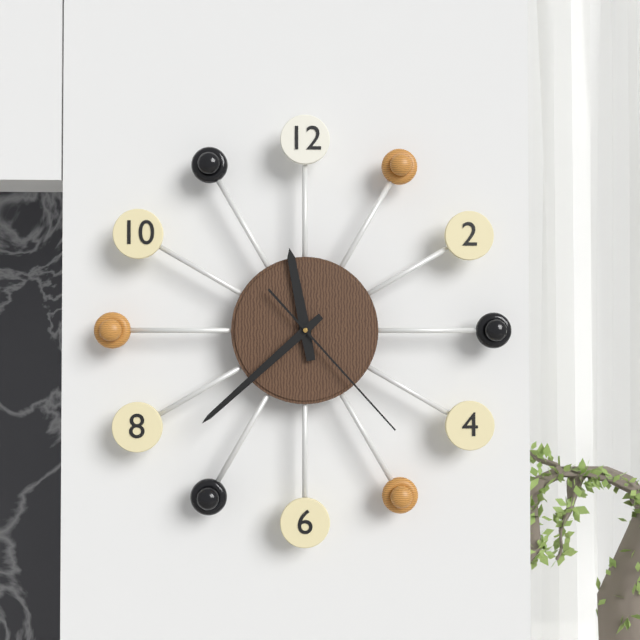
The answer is 11:38:23
